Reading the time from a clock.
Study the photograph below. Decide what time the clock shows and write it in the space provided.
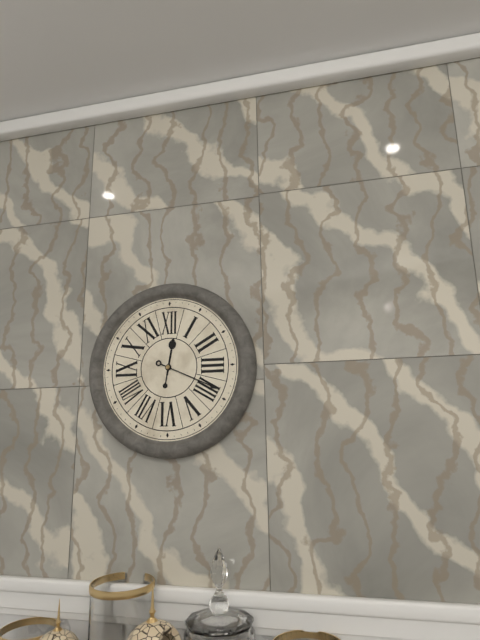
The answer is 12:19
